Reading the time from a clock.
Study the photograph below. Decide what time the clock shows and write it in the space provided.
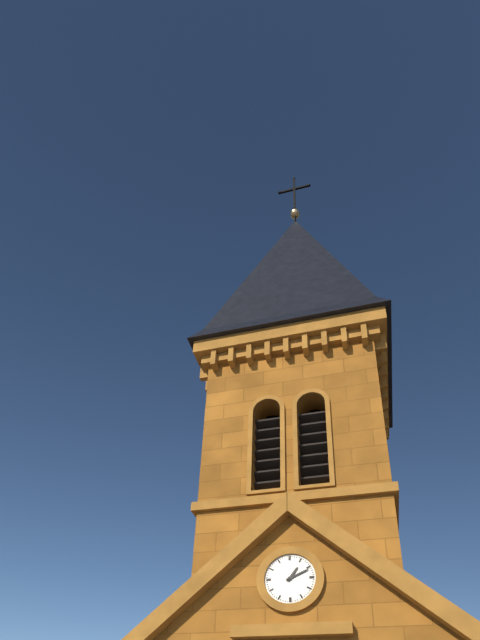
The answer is 1:11
